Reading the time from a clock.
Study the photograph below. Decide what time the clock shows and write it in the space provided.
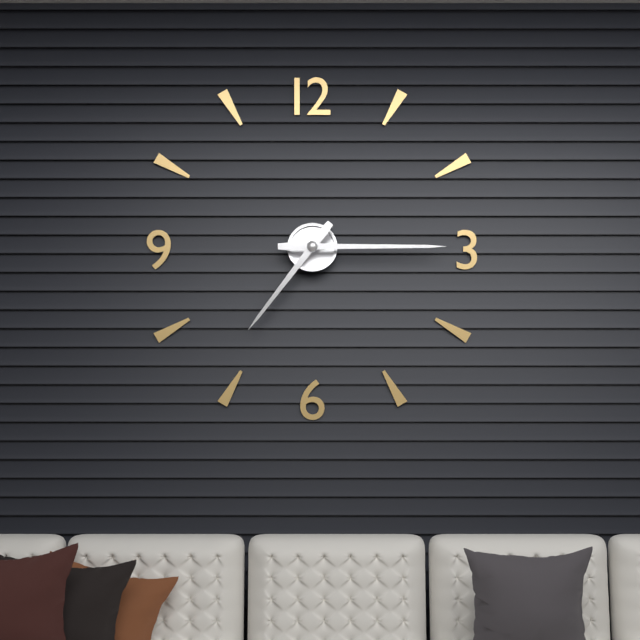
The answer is 7:15
